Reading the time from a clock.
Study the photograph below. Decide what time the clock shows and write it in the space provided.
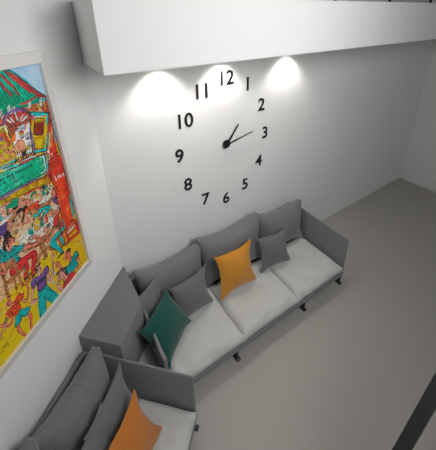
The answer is 1:13
